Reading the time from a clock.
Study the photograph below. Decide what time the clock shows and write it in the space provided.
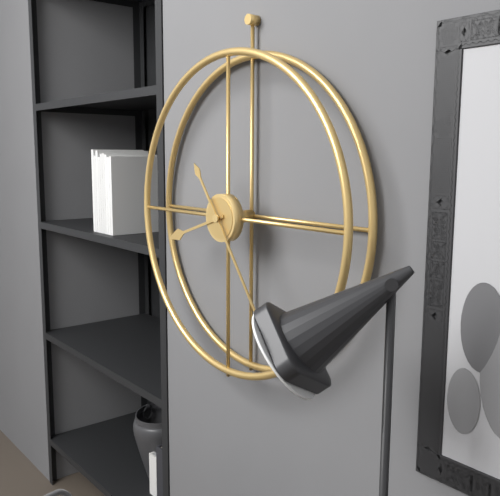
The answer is 8:24
